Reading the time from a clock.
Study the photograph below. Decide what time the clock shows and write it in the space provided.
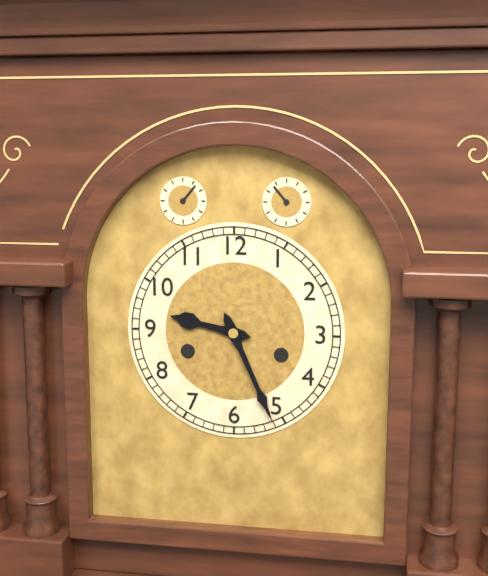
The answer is 9:26
